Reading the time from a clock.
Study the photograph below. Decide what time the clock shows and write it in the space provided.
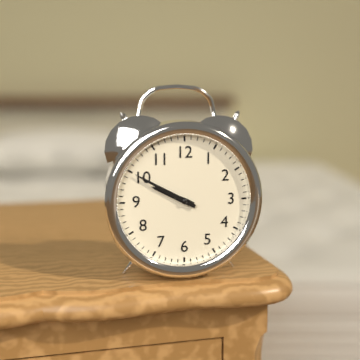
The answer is 9:50
